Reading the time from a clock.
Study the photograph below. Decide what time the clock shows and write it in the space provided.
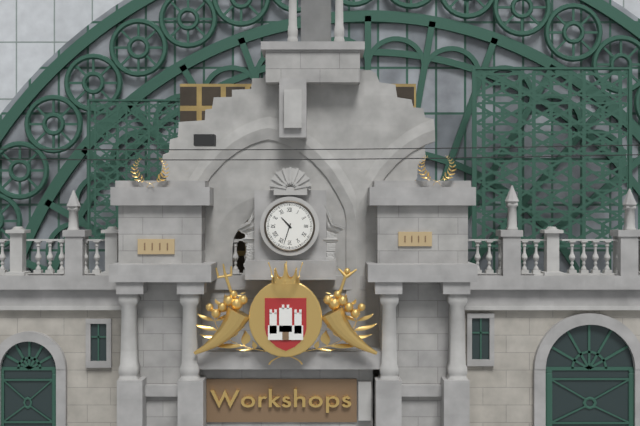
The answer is 10:33
